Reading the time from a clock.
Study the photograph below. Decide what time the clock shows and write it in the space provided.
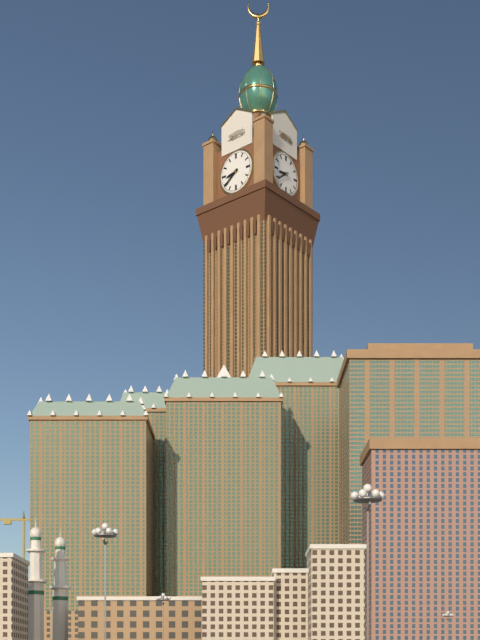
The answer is 8:39
